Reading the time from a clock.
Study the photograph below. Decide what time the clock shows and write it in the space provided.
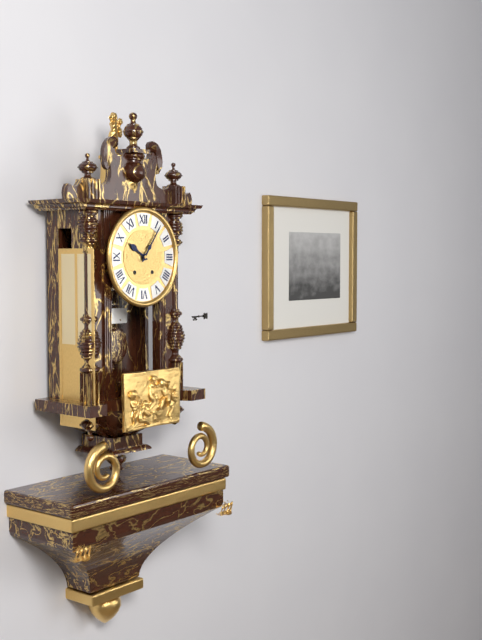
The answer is 10:06
